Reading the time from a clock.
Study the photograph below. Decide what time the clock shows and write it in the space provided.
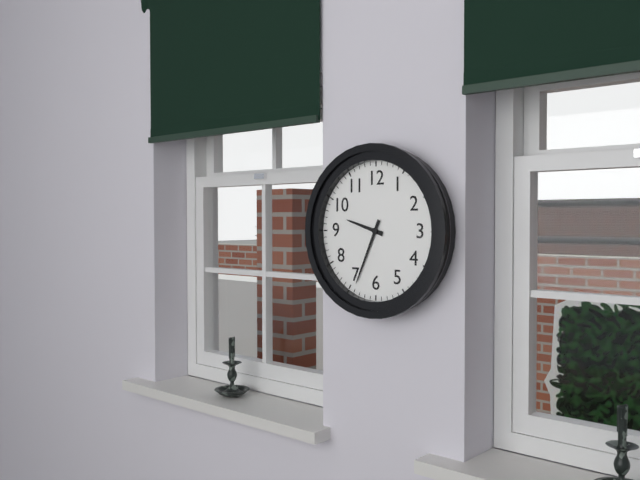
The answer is 9:34
